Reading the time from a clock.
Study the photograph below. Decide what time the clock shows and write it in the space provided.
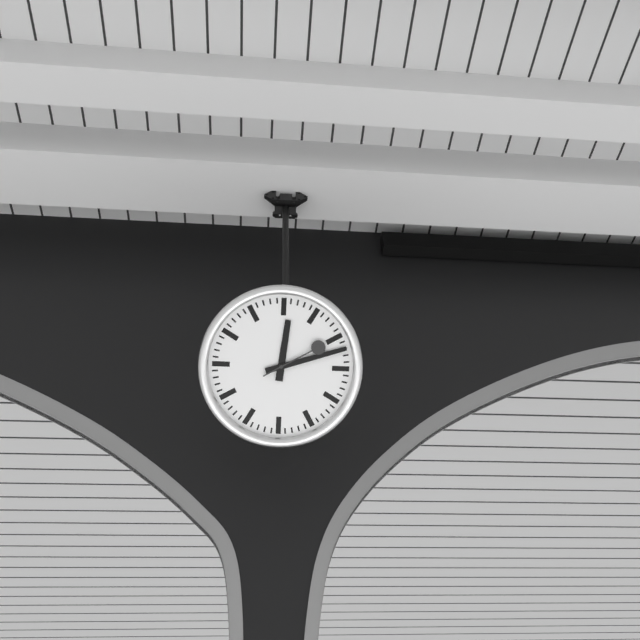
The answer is 12:12:10
